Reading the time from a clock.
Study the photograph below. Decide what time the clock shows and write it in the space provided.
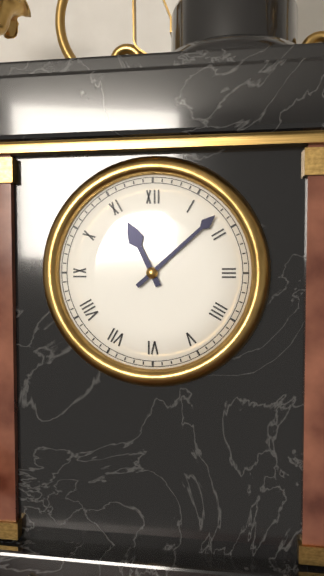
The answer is 11:08
